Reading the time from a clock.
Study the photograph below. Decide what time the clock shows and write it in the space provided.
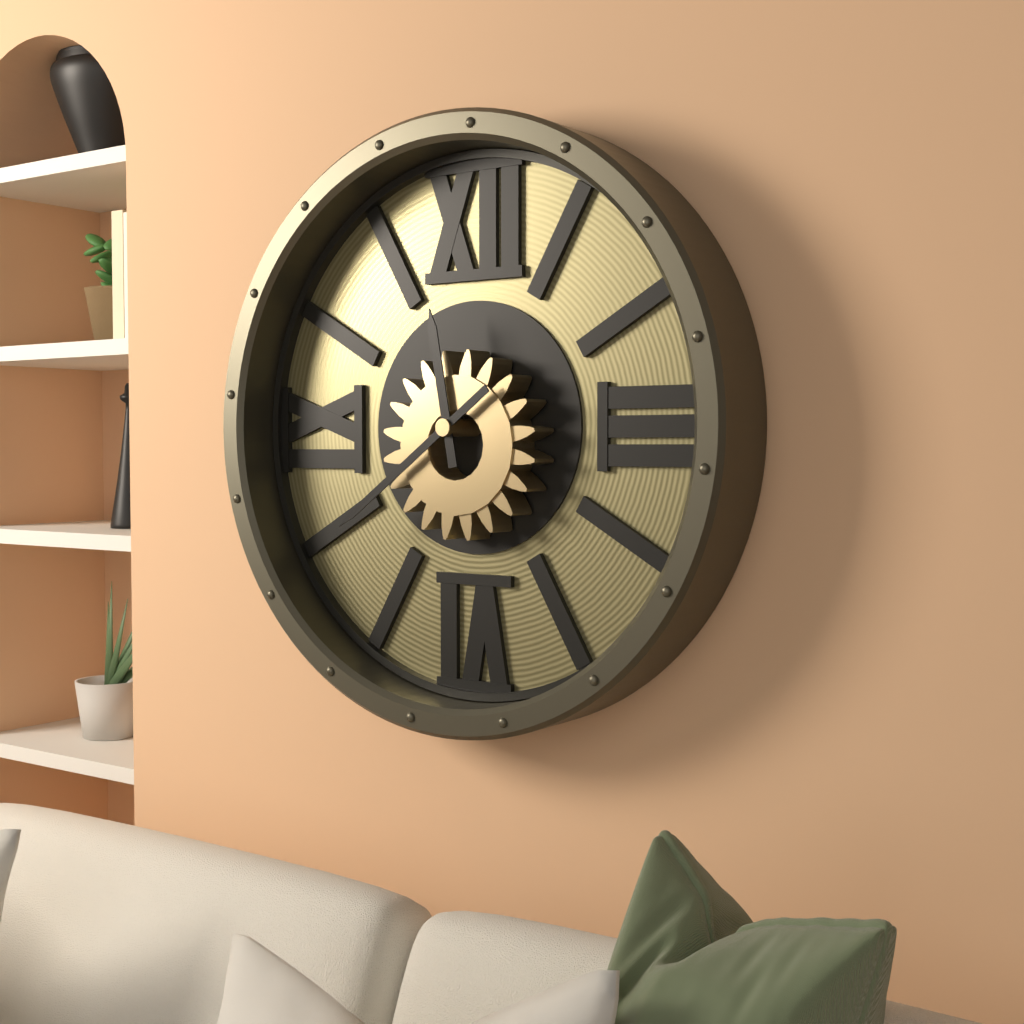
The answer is 11:39
